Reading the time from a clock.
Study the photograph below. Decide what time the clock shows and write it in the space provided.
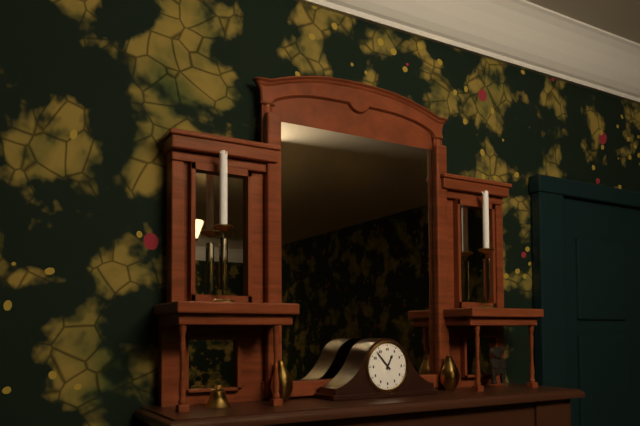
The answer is 12:53
